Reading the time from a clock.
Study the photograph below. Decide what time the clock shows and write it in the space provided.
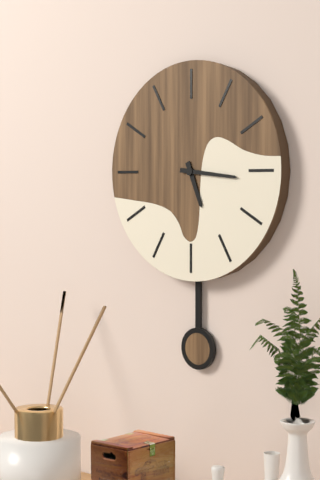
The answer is 5:16
